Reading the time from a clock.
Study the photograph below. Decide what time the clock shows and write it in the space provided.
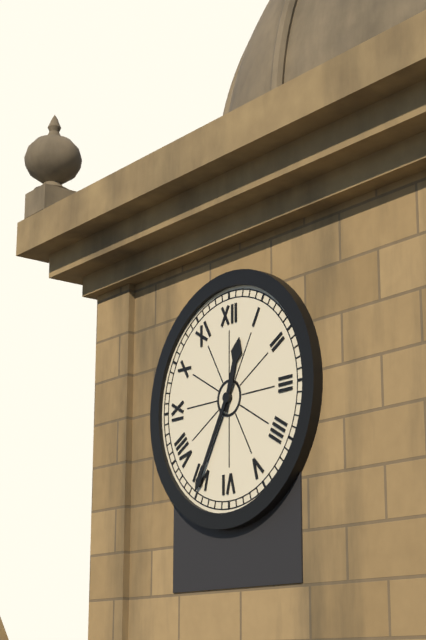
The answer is 12:35
